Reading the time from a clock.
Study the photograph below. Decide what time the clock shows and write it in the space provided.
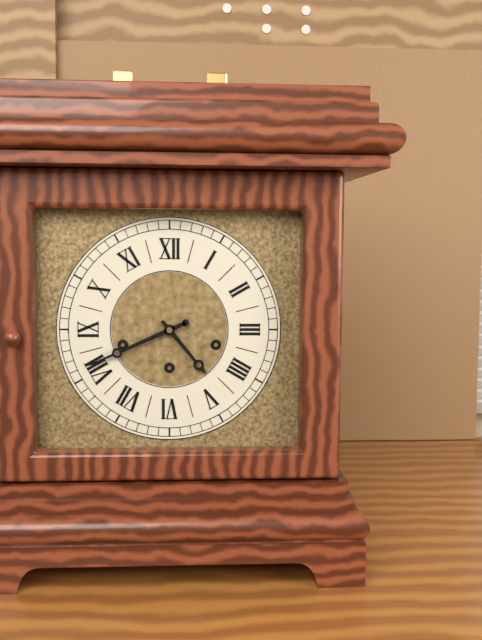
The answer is 4:41
